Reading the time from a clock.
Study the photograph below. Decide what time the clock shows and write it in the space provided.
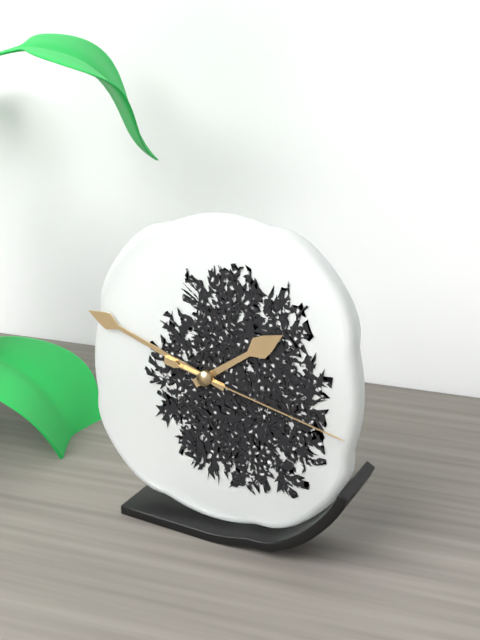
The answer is 1:48:17
